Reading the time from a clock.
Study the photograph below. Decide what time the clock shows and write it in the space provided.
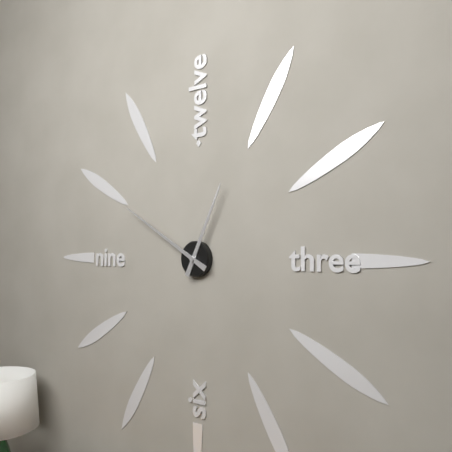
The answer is 12:50
